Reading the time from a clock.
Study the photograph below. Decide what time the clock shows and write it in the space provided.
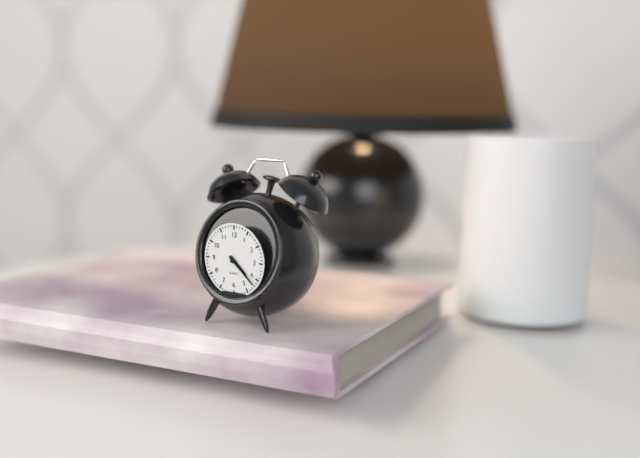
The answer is 4:22
